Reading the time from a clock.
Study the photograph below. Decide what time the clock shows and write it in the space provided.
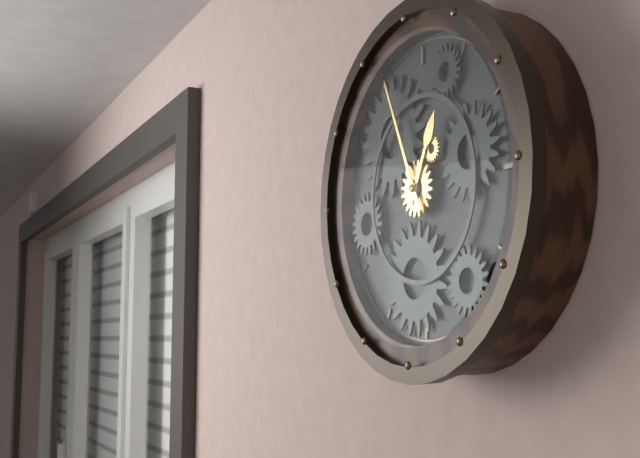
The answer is 12:56
